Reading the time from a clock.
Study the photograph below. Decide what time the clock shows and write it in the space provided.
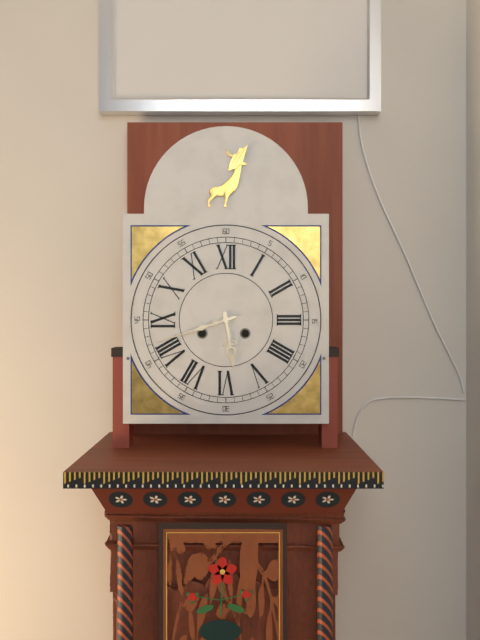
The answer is 5:42
